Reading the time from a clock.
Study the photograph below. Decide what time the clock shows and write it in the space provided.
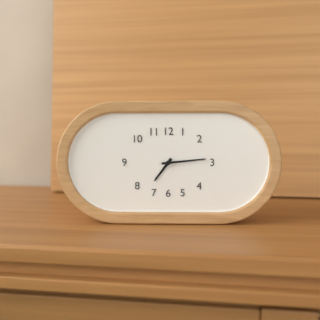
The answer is 7:14
